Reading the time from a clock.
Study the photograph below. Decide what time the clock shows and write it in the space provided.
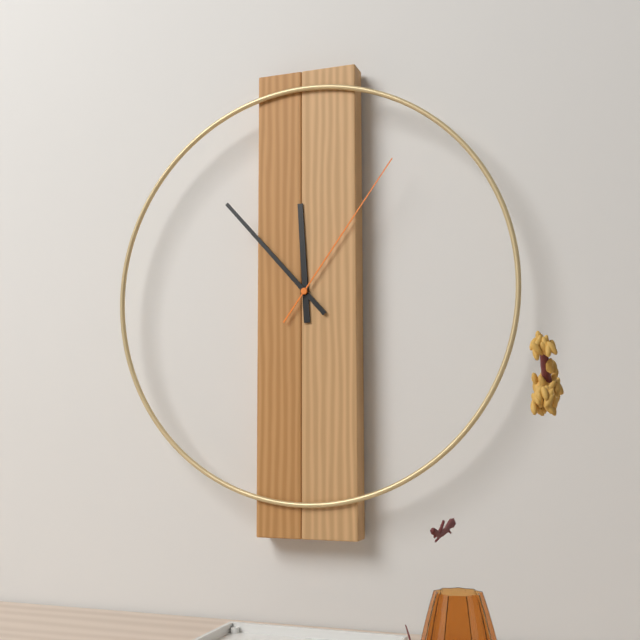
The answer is 11:53:06
